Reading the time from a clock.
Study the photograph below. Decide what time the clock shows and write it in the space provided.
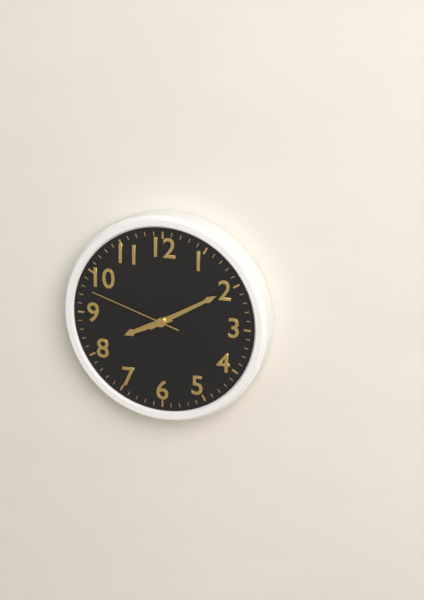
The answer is 8:10:48
